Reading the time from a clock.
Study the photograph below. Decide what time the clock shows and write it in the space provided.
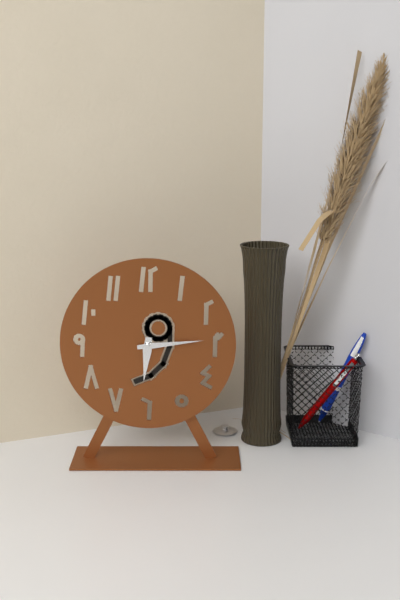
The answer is 6:14
